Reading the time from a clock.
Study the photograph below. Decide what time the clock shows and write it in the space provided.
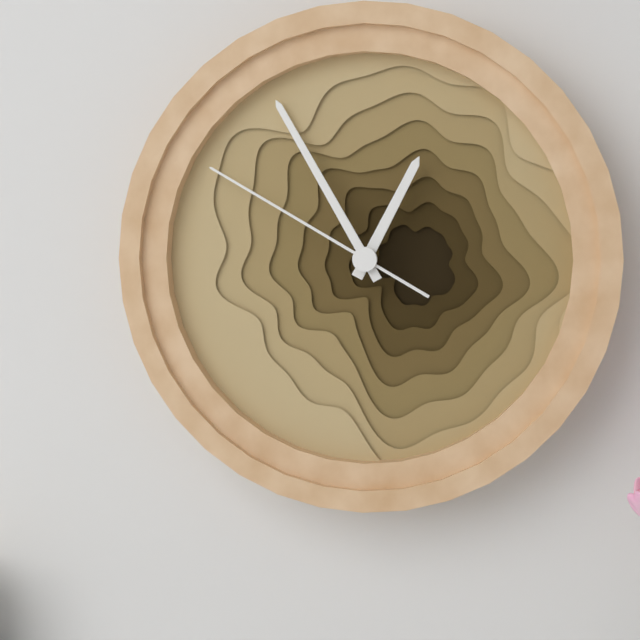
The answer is 12:55:50
